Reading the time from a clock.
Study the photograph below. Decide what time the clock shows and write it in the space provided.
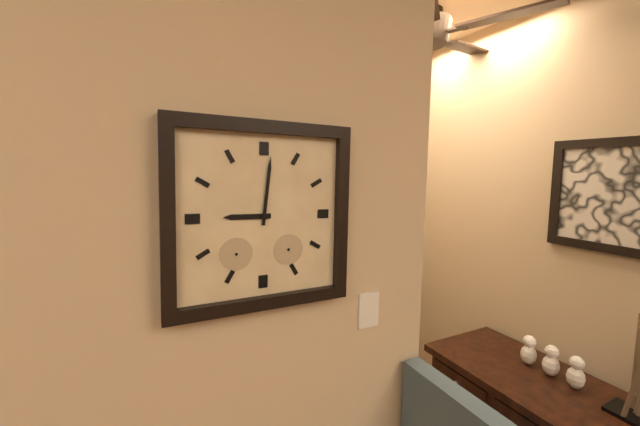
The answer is 9:01
